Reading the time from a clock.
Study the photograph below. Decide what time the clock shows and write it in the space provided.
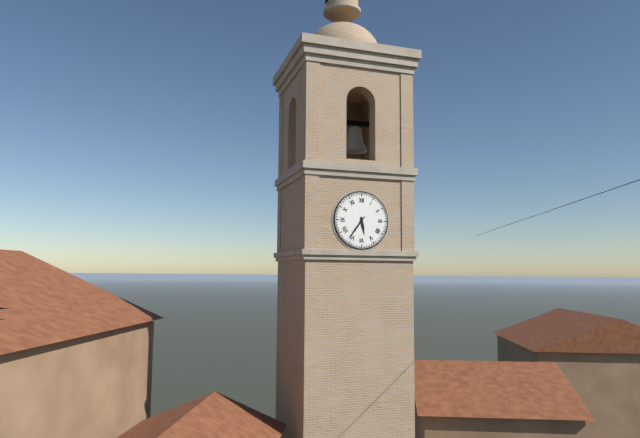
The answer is 5:36
